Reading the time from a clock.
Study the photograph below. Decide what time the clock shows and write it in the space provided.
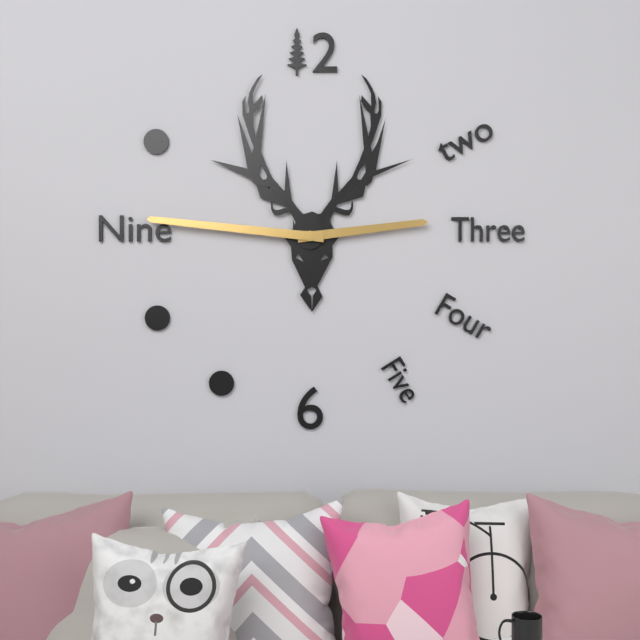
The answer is 2:46
